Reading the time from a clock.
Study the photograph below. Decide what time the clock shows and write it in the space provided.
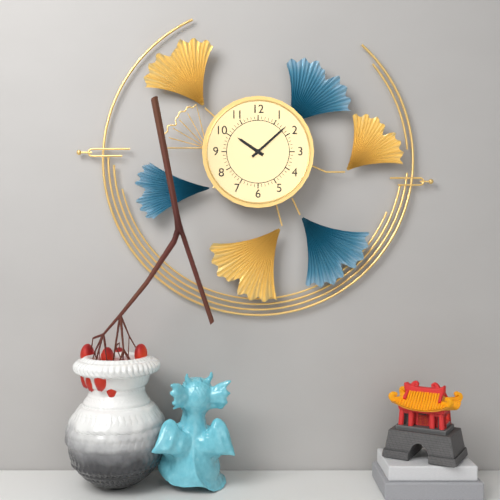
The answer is 10:08
